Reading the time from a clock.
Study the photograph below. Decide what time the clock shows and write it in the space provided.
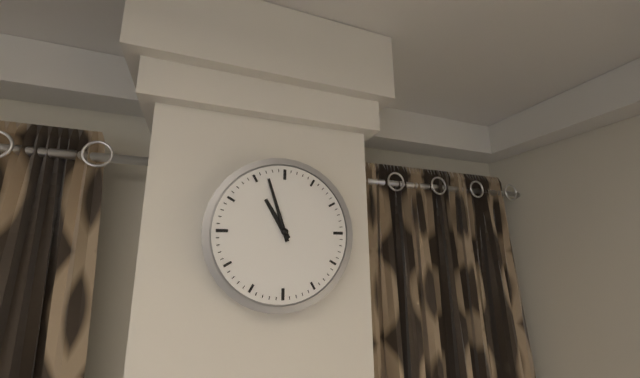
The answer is 10:57
